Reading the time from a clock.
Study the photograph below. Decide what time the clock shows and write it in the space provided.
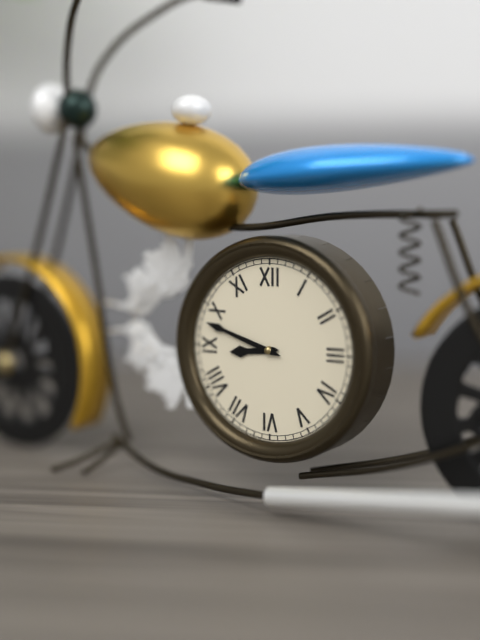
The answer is 8:48
